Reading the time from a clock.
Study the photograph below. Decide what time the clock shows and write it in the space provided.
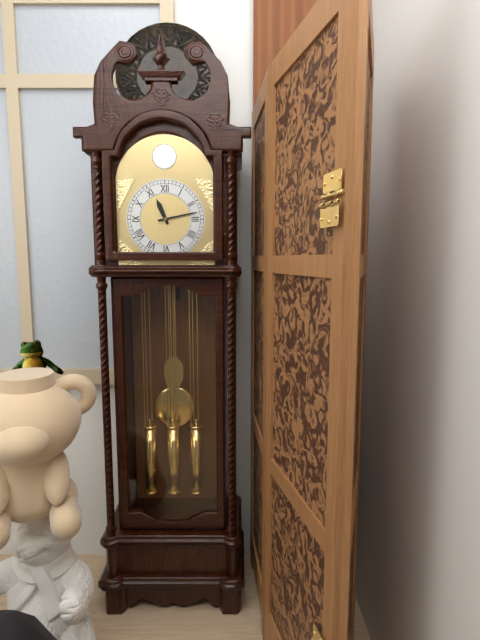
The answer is 11:13
